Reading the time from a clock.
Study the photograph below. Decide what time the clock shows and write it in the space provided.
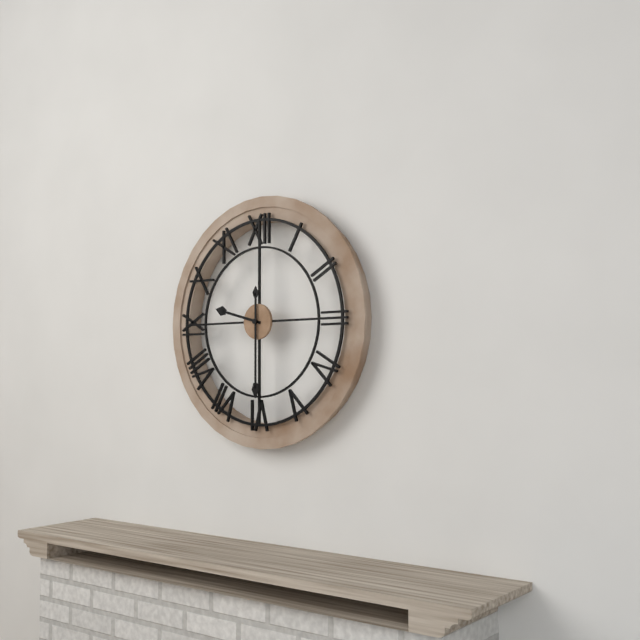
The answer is 9:30
